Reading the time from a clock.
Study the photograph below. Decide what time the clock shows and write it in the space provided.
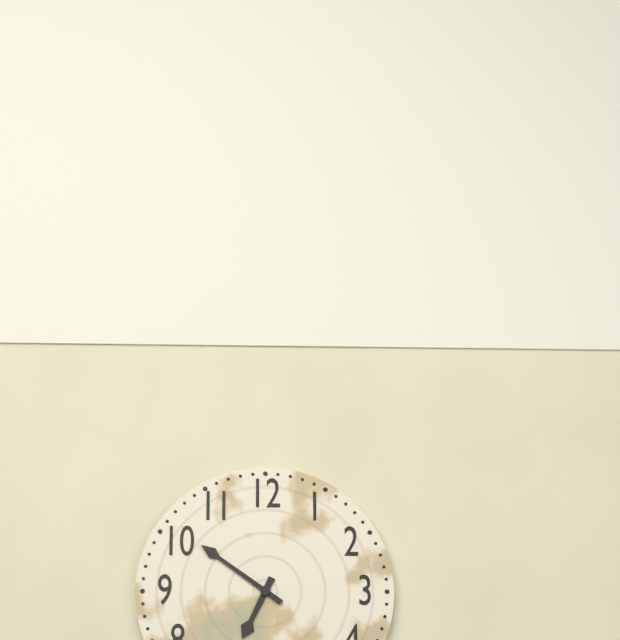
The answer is 6:51
